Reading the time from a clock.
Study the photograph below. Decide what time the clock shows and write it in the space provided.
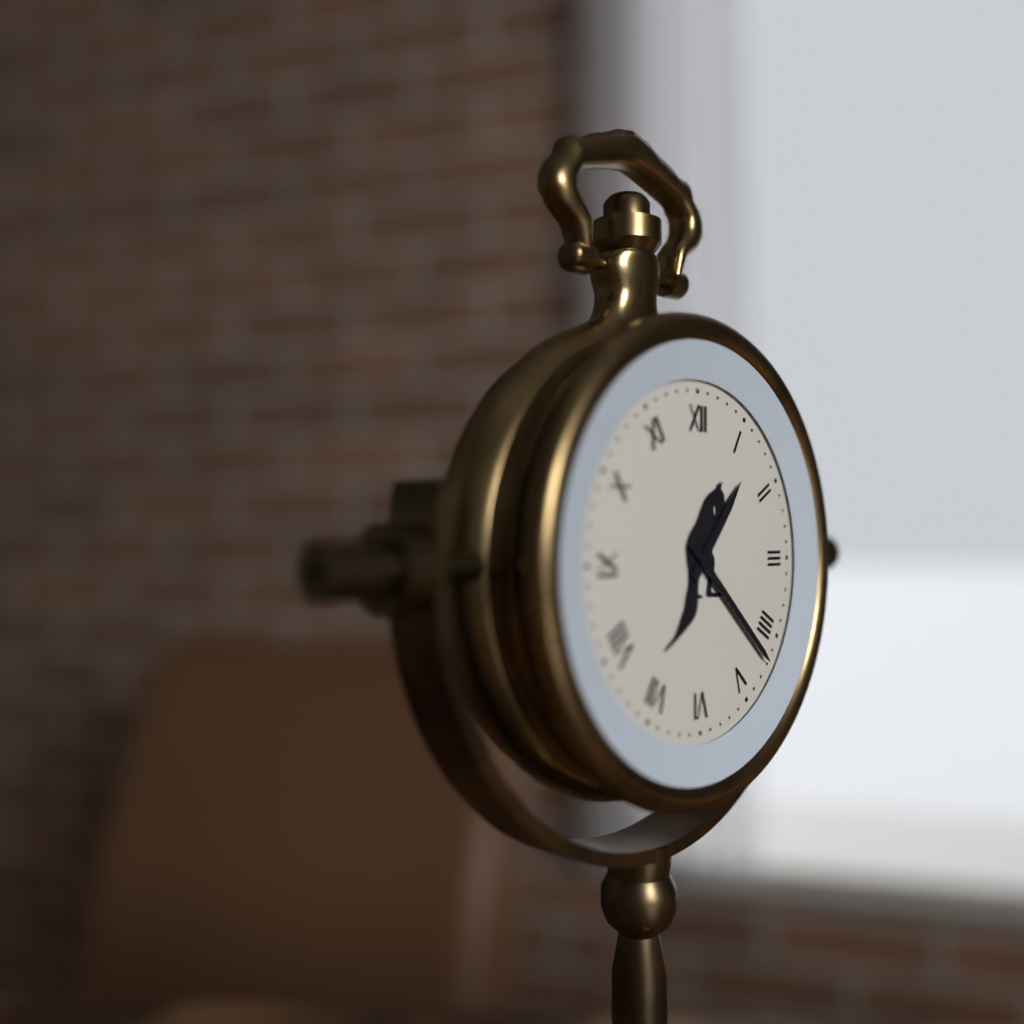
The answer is 1:22
